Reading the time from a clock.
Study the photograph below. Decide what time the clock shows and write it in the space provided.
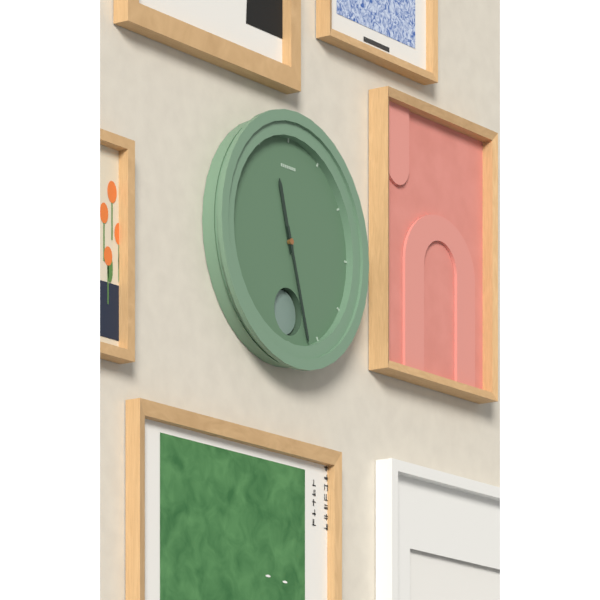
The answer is 11:27
